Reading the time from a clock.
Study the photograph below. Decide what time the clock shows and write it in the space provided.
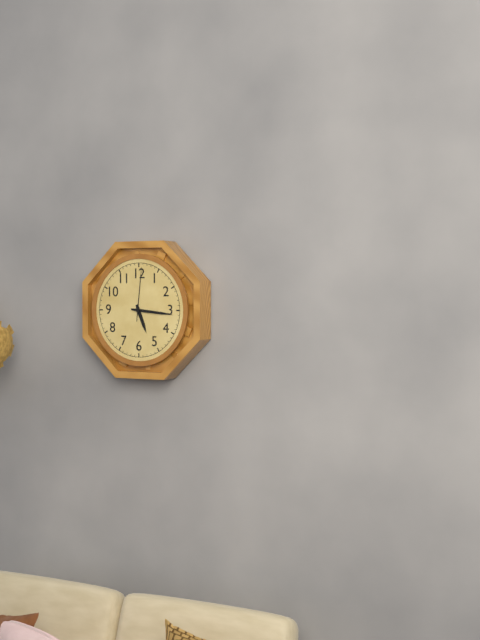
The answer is 5:16:01
